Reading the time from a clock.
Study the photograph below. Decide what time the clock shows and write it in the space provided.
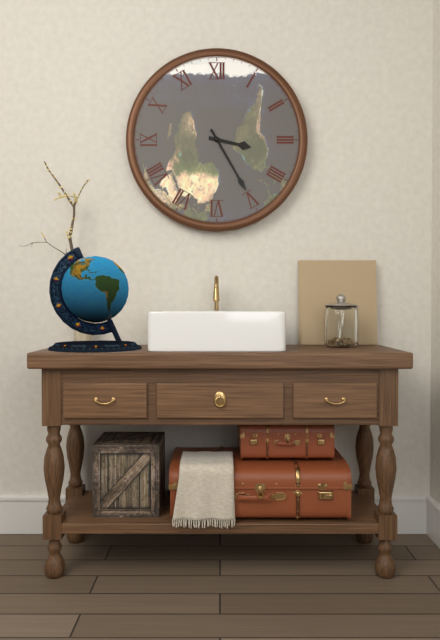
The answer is 3:25
